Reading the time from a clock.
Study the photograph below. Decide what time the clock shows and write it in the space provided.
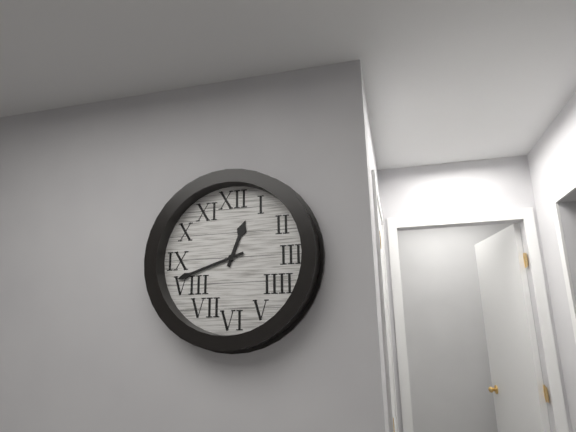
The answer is 12:42
